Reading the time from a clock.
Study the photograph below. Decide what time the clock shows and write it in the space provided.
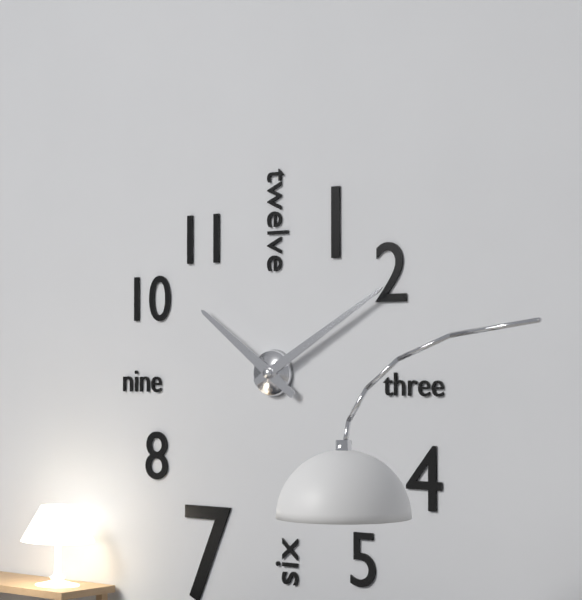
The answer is 10:10
